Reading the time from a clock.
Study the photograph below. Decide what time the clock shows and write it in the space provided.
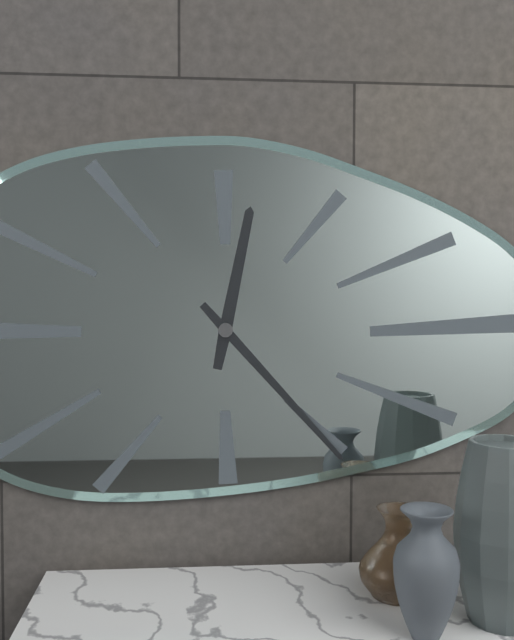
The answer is 12:23
